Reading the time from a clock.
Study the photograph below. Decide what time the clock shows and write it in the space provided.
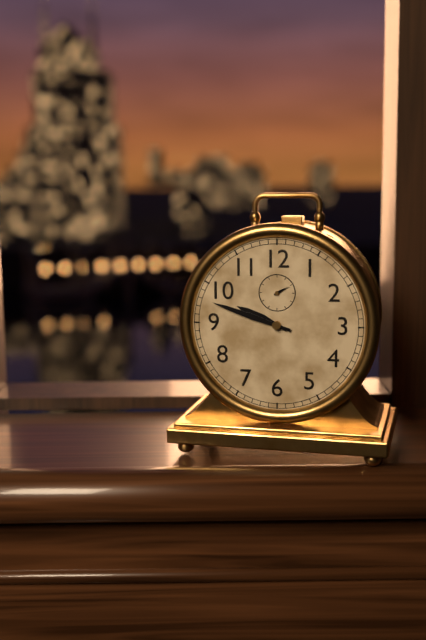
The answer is 9:48
